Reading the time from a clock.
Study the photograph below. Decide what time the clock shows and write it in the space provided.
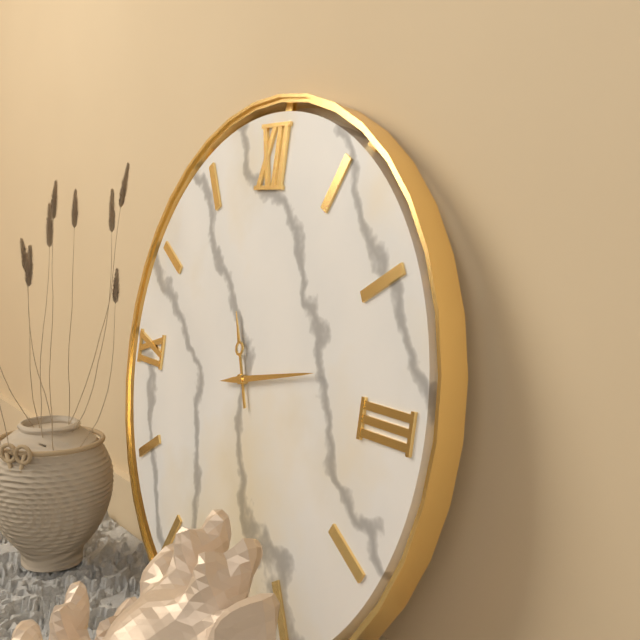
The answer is 11:13
